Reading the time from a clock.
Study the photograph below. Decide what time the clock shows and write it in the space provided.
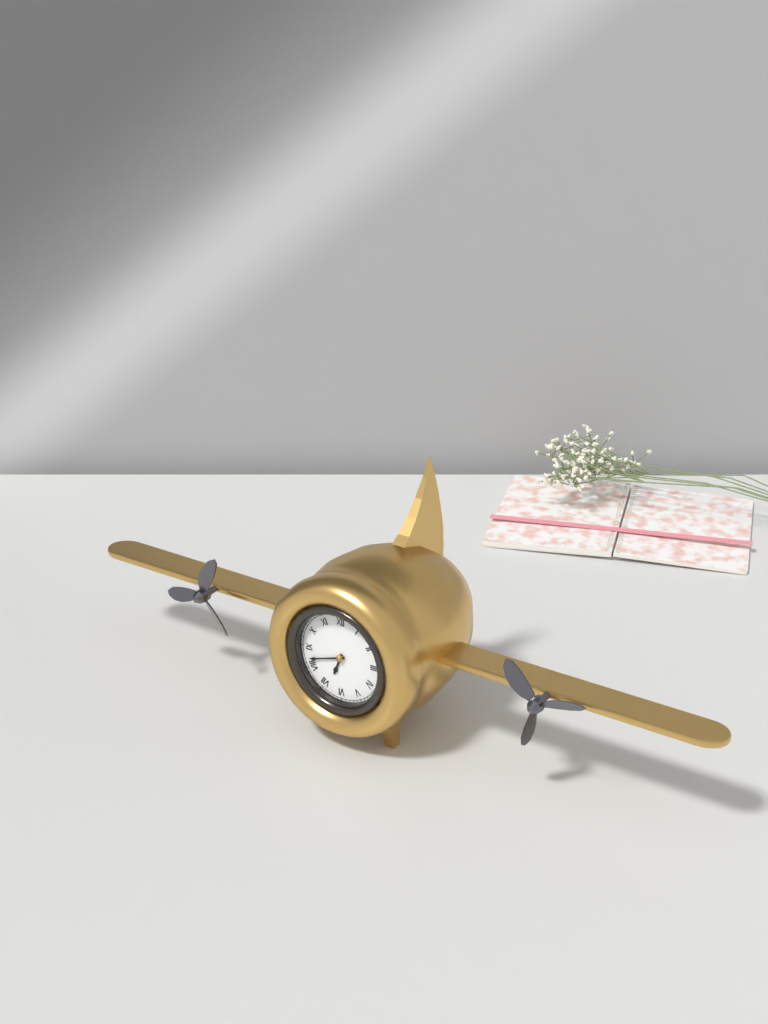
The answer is 6:42
